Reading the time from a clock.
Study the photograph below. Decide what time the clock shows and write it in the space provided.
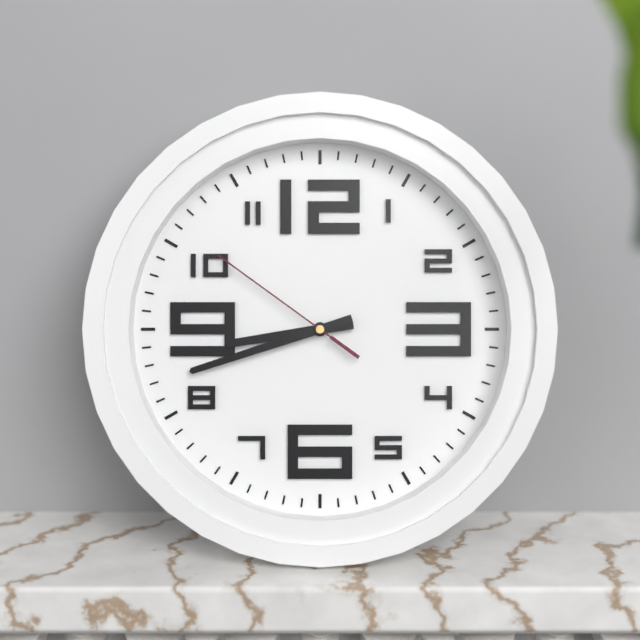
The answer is 8:42:51
